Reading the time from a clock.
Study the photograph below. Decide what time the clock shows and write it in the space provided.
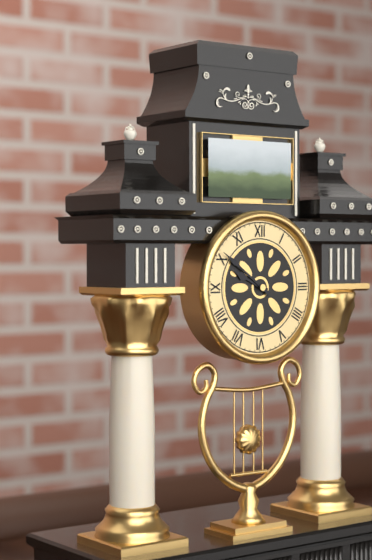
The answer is 9:51
